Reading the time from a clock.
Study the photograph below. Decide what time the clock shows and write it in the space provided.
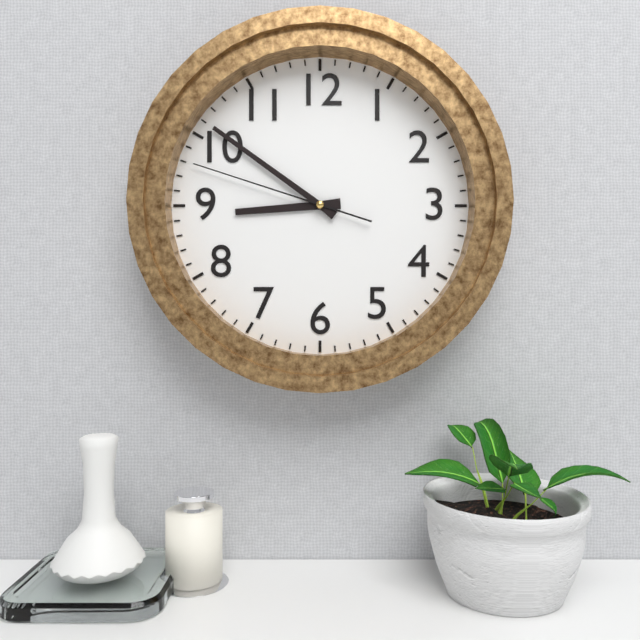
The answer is 8:51:48
